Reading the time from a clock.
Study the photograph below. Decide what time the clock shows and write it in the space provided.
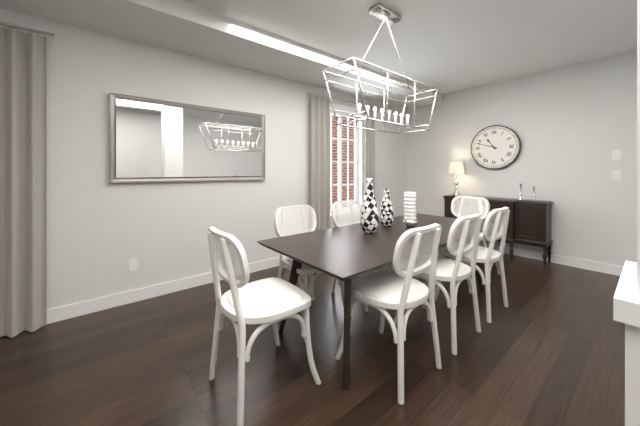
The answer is 10:48
